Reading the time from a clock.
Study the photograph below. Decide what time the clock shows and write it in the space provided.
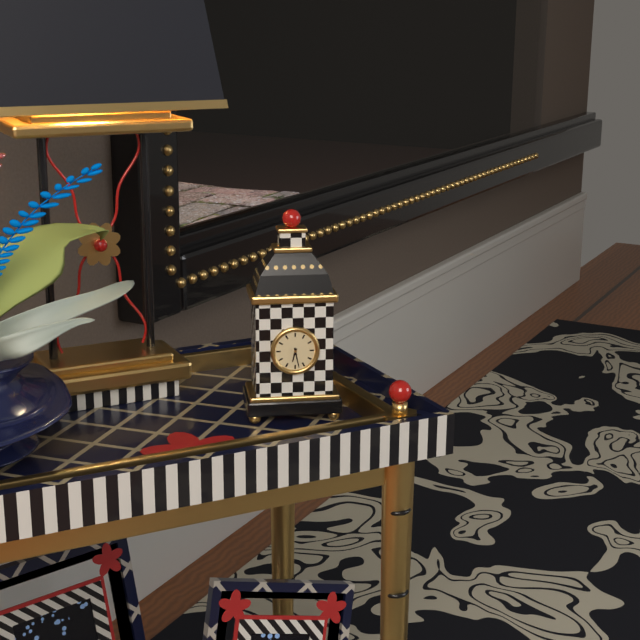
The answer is 6:28
